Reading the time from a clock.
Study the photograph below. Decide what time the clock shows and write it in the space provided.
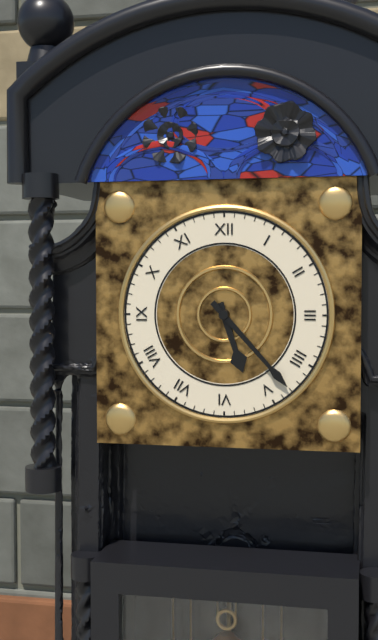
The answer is 5:23
